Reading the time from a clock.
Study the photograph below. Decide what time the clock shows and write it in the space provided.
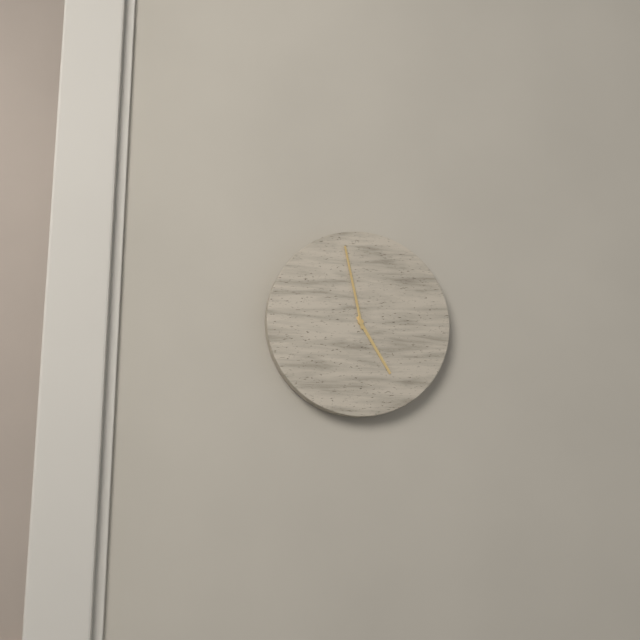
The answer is 4:58
